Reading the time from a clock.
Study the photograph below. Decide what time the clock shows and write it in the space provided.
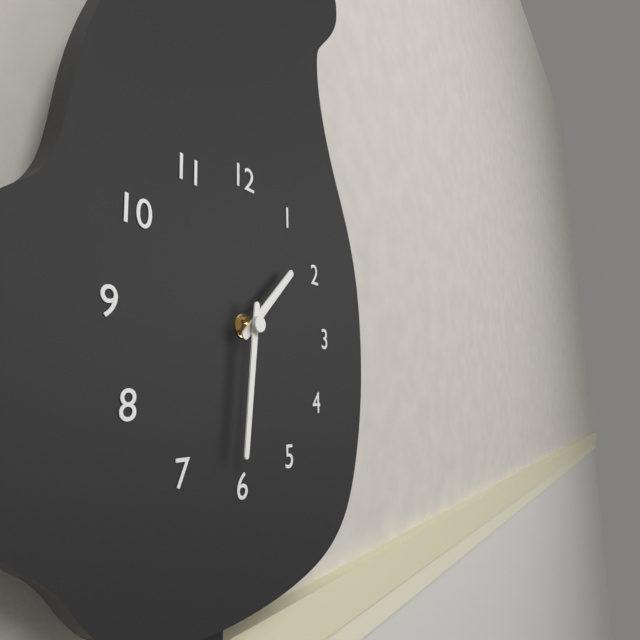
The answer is 1:31
